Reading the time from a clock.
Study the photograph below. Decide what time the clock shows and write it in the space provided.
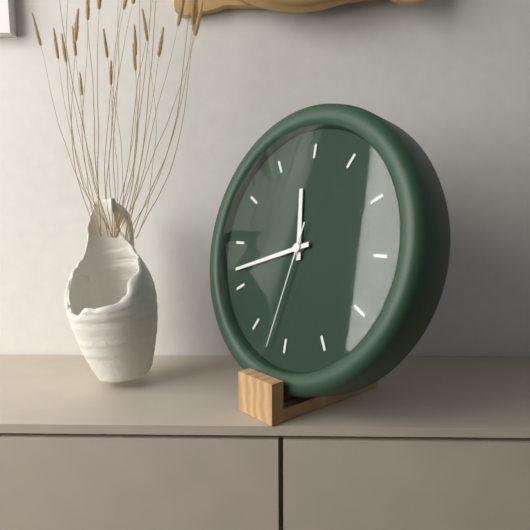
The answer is 11:42:32
